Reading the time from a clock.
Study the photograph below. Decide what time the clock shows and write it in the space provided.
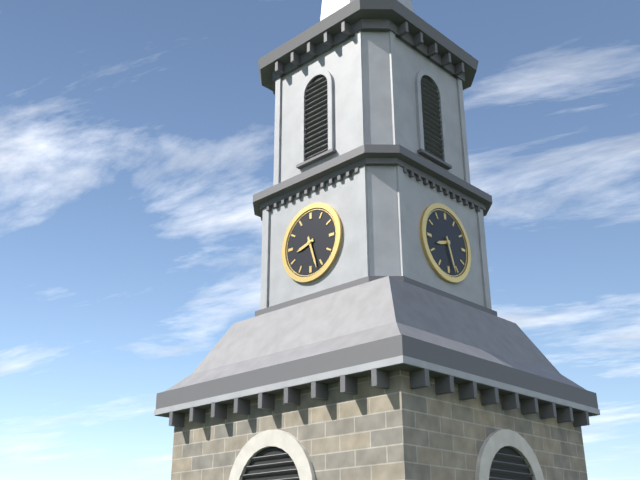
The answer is 8:27
